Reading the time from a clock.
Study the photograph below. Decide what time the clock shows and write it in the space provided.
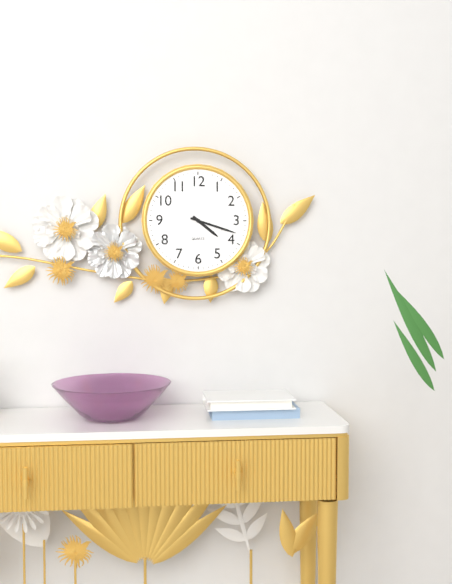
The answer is 4:18
